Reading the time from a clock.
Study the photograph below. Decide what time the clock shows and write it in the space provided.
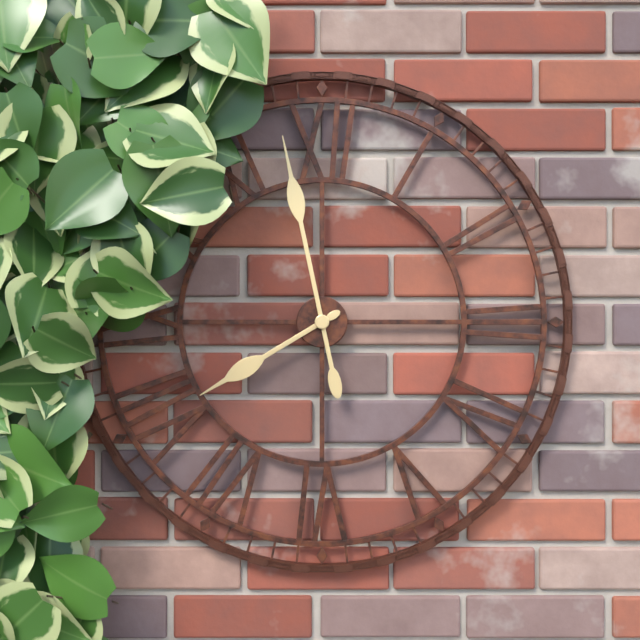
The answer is 7:58
